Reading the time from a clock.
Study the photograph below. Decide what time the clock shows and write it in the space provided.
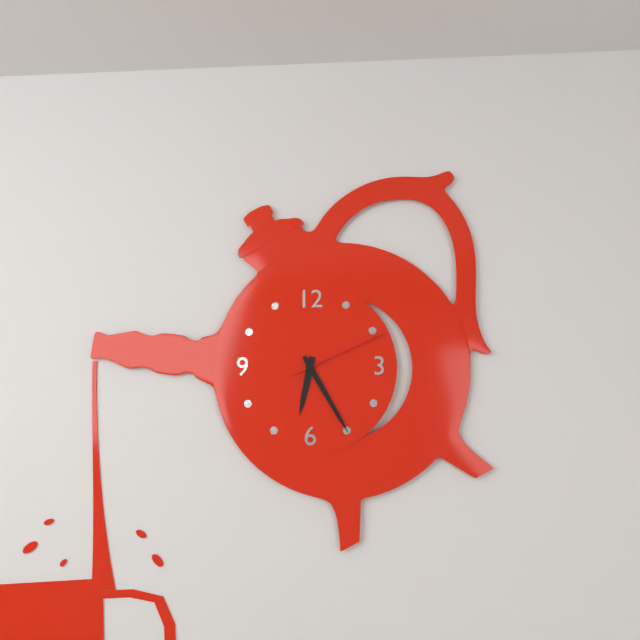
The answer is 6:25:11
